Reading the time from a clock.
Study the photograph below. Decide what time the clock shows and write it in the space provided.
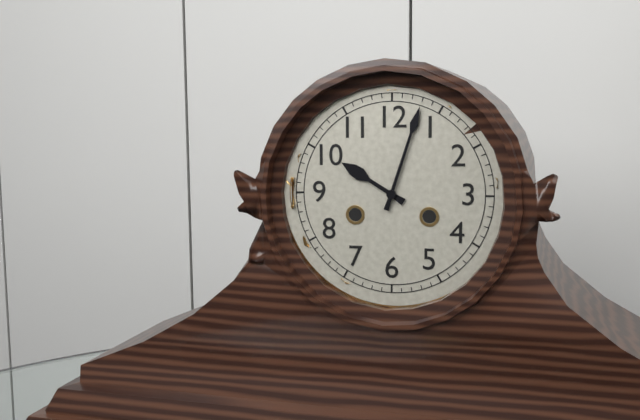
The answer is 10:03
